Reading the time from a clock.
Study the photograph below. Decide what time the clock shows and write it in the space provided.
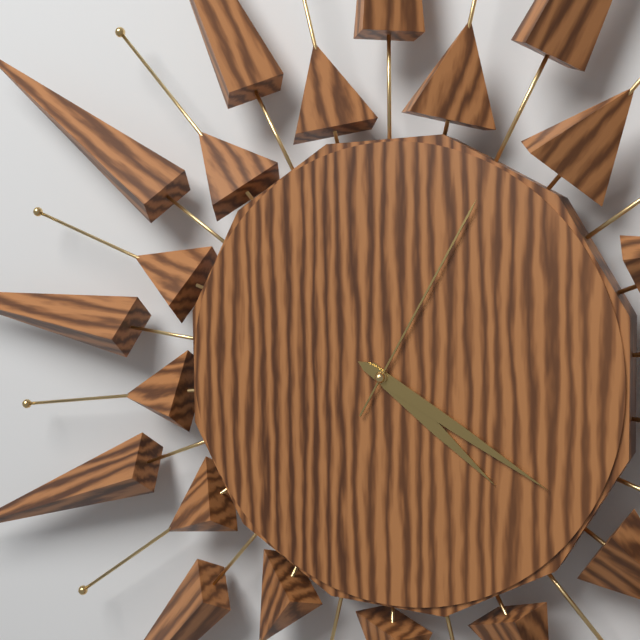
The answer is 4:20:05
